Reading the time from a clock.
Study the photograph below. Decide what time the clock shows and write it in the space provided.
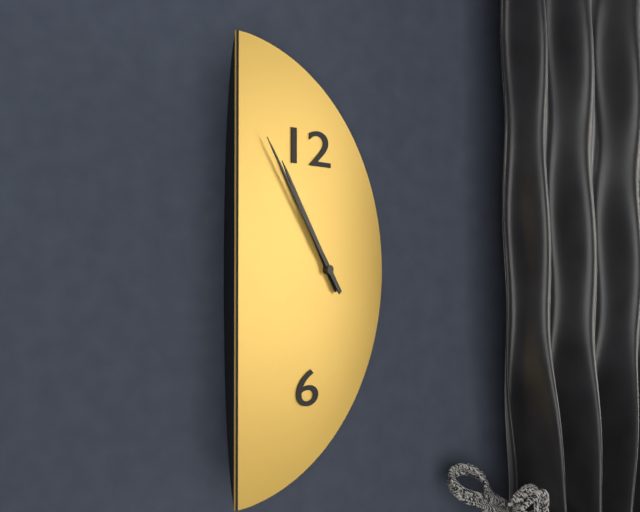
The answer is 10:54
